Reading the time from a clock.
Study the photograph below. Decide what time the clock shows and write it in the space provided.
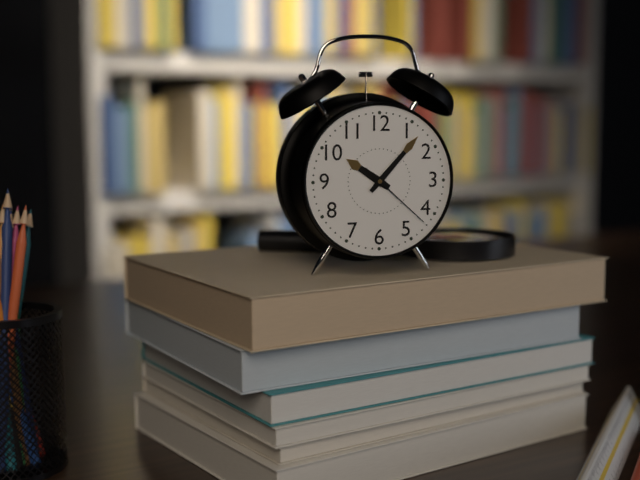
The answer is 10:07:22
